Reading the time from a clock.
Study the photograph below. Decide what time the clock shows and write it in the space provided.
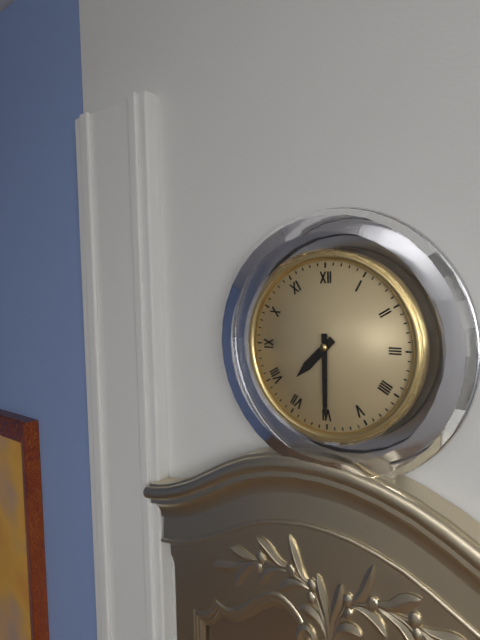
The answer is 7:30
